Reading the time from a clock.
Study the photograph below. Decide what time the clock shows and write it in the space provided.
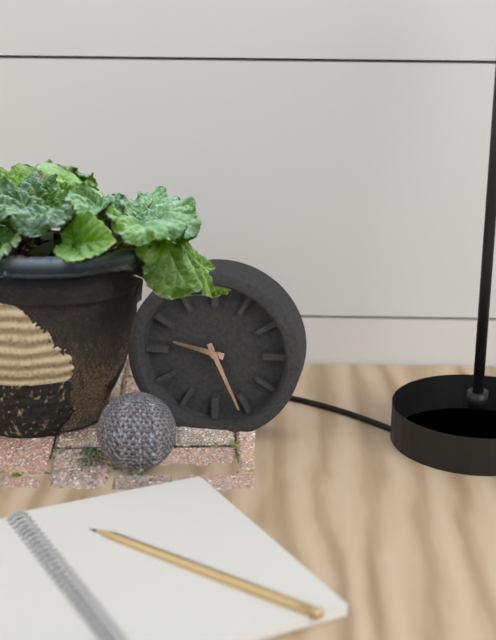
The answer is 9:26
